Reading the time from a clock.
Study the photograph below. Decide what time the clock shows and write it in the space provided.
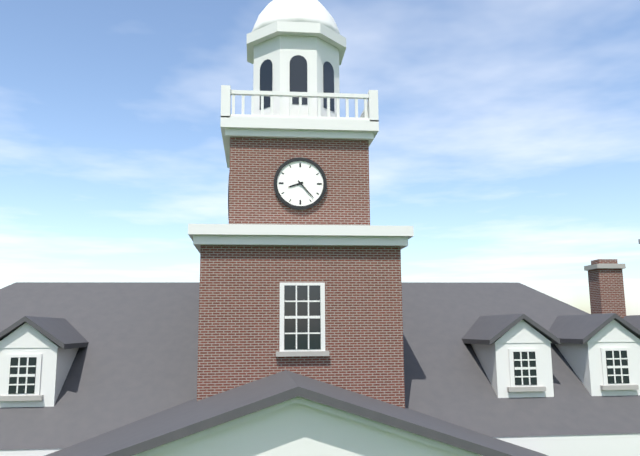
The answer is 8:23
